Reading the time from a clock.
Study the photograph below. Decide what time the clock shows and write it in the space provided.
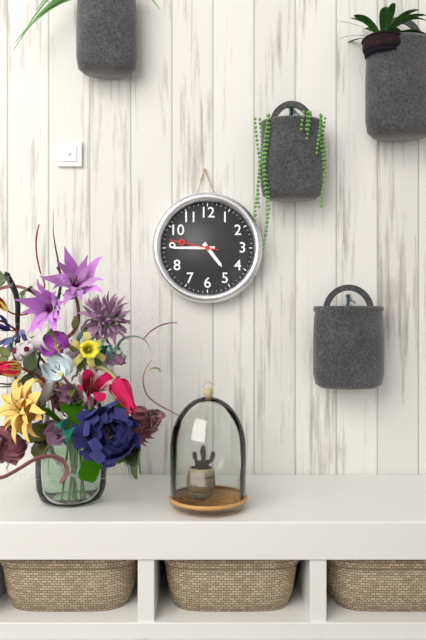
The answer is 4:45
